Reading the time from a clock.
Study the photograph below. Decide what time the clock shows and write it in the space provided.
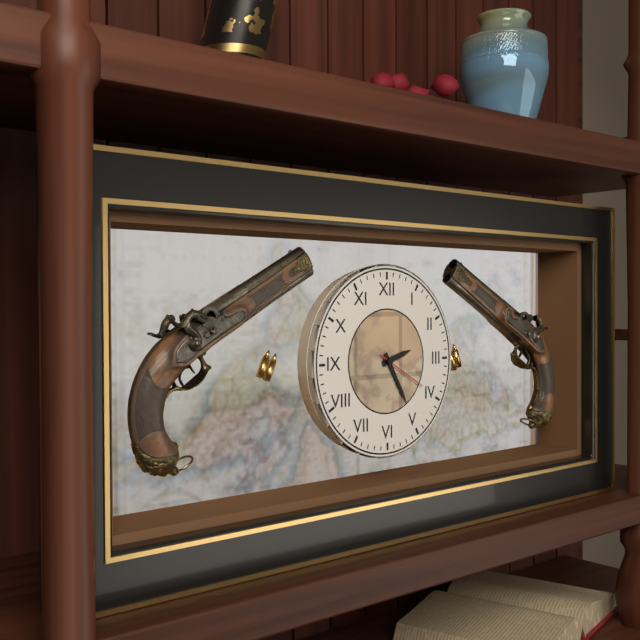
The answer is 2:25:20
